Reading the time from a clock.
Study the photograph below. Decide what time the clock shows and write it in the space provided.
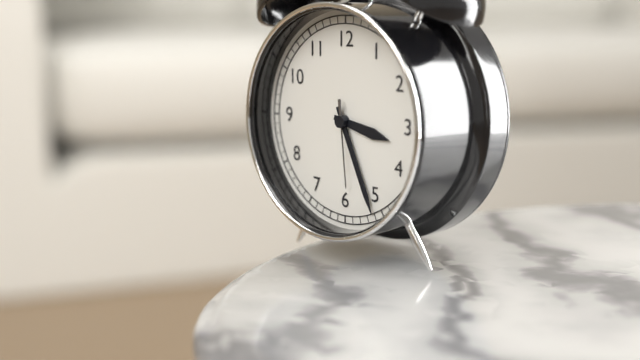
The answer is 3:26:29
